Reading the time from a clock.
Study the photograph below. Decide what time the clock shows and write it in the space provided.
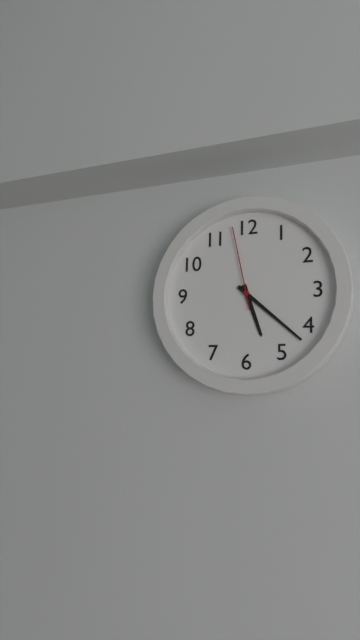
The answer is 5:22:58
